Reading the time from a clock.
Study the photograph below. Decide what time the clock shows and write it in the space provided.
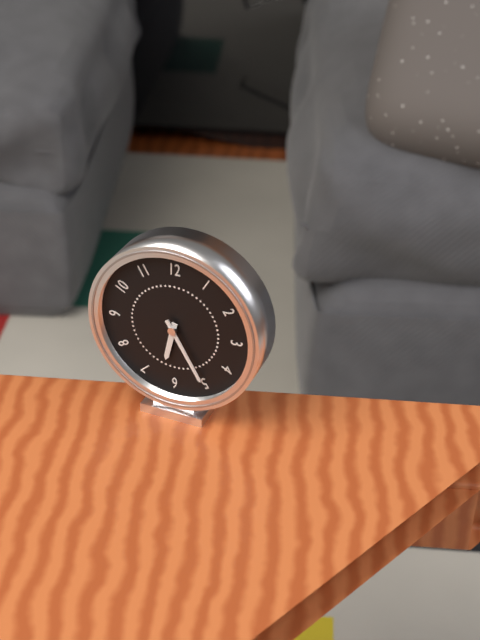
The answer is 6:25
